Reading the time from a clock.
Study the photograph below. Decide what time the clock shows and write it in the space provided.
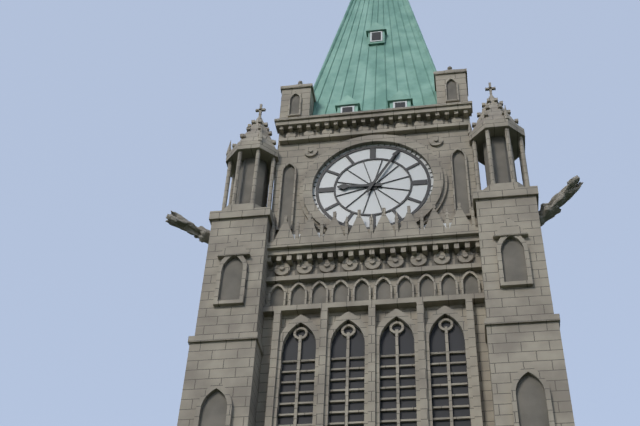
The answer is 9:05
